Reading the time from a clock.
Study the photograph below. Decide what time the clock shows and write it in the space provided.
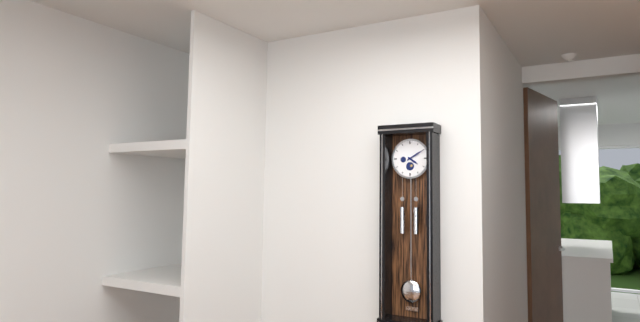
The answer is 4:10
